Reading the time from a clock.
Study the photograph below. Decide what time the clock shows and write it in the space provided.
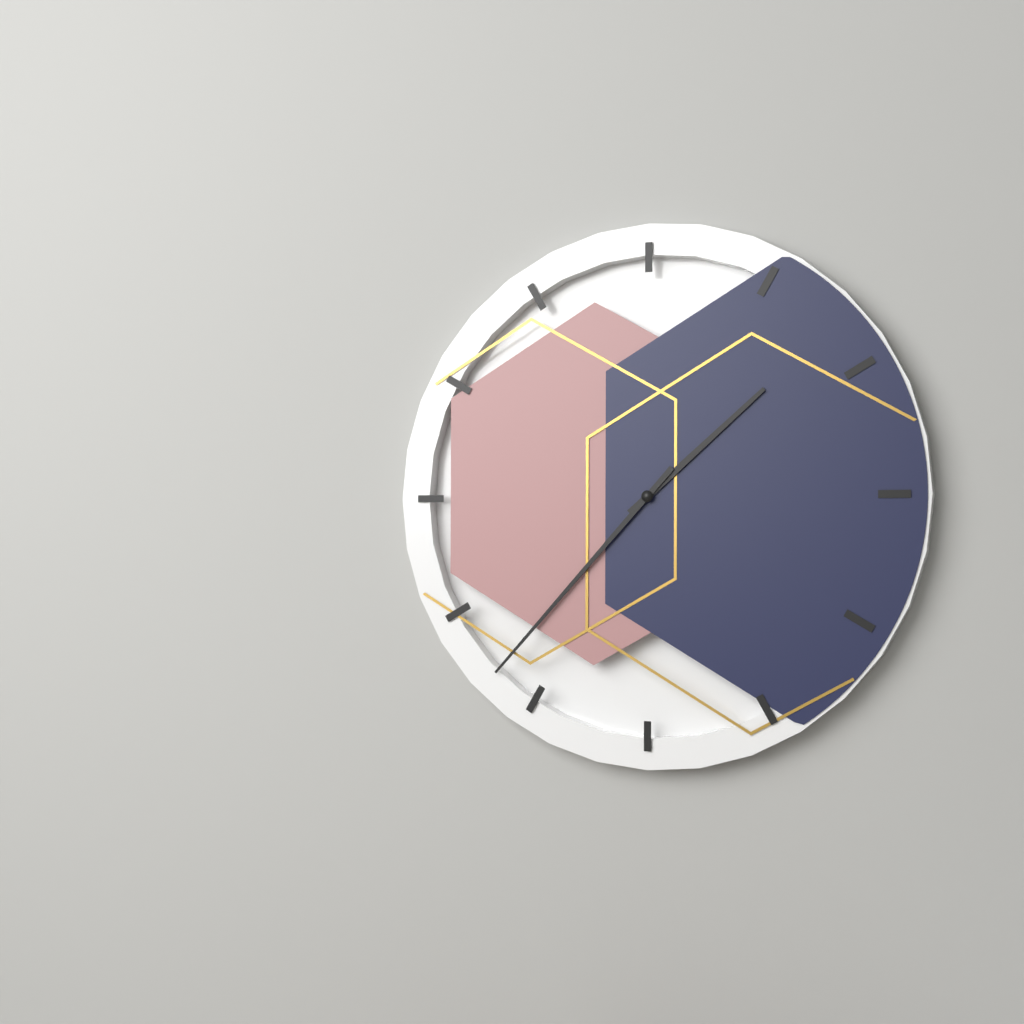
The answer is 1:37
